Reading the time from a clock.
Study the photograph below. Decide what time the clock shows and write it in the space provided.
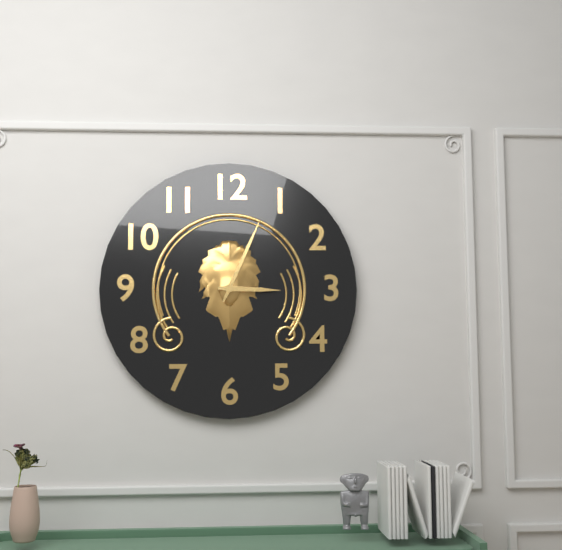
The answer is 3:04
